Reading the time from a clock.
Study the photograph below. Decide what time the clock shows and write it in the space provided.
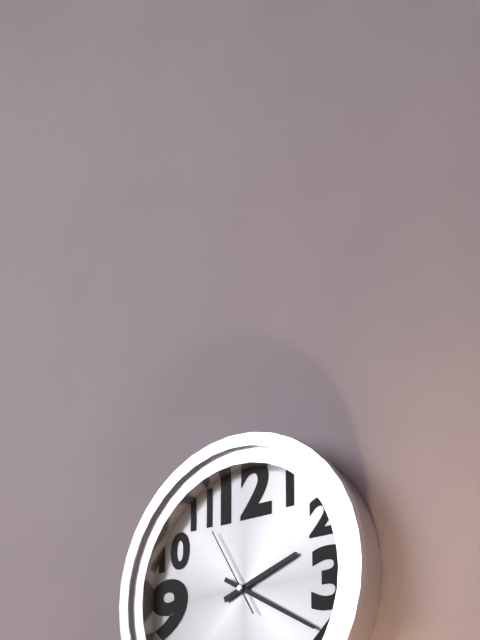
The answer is 2:20:55
